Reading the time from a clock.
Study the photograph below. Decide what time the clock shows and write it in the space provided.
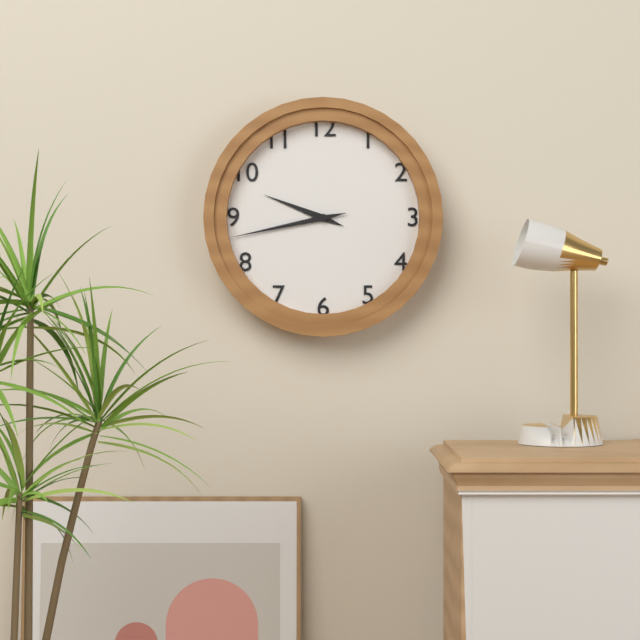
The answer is 9:43
